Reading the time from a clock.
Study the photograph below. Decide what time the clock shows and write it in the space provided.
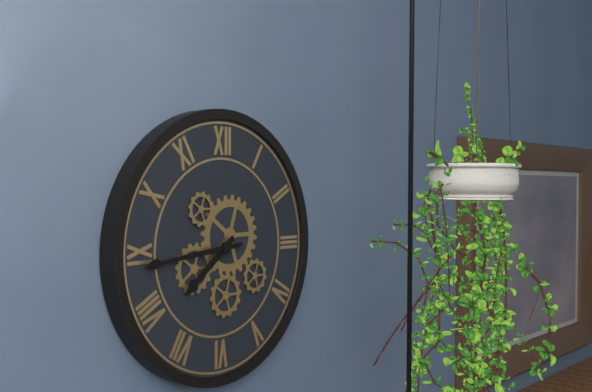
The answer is 7:44
